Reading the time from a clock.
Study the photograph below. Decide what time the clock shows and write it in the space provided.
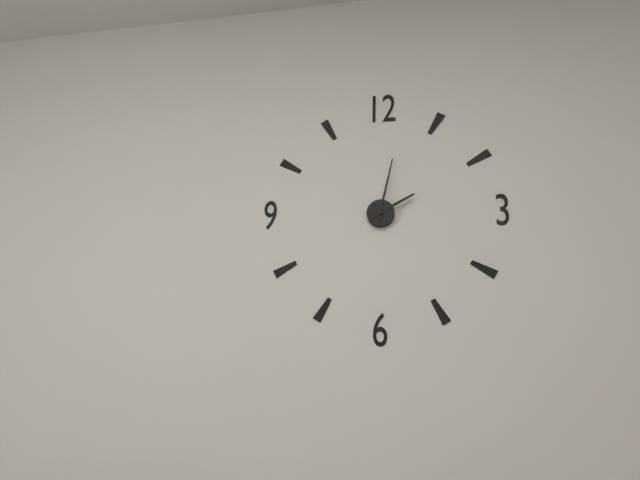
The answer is 2:02
